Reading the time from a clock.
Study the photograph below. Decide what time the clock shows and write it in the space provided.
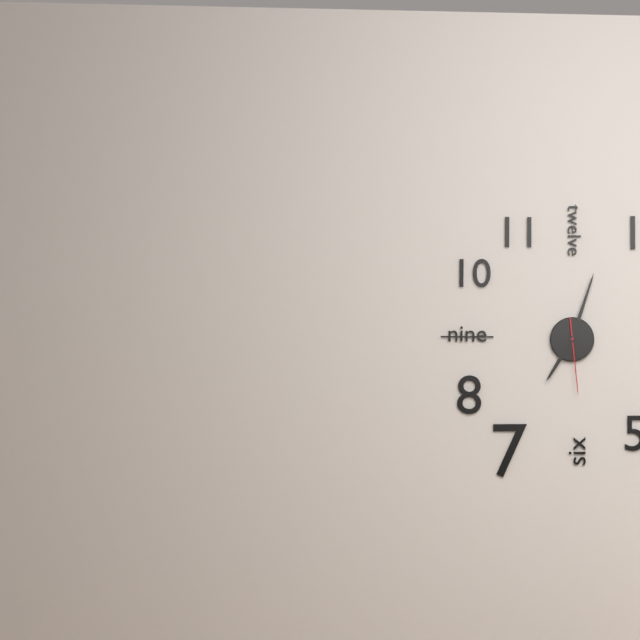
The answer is 7:03:29
